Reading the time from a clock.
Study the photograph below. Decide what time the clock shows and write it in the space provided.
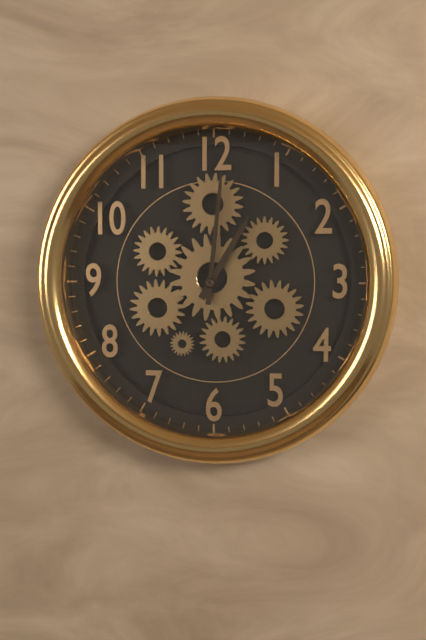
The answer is 1:01
